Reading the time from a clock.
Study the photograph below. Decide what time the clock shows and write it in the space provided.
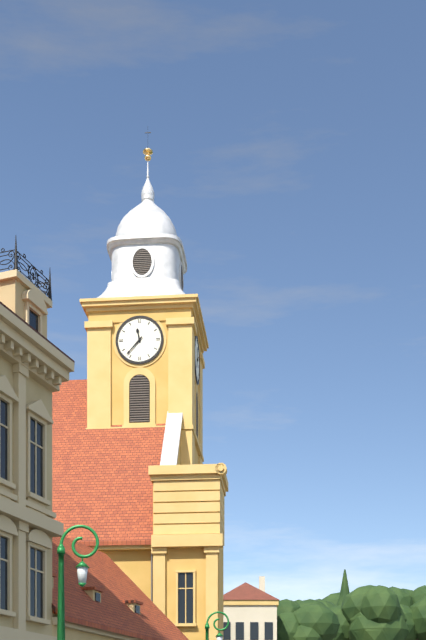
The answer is 11:37
